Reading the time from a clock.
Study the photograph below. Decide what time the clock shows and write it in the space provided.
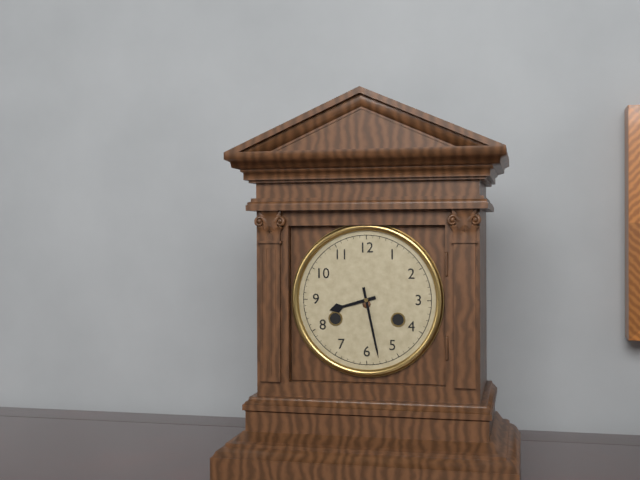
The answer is 8:28
